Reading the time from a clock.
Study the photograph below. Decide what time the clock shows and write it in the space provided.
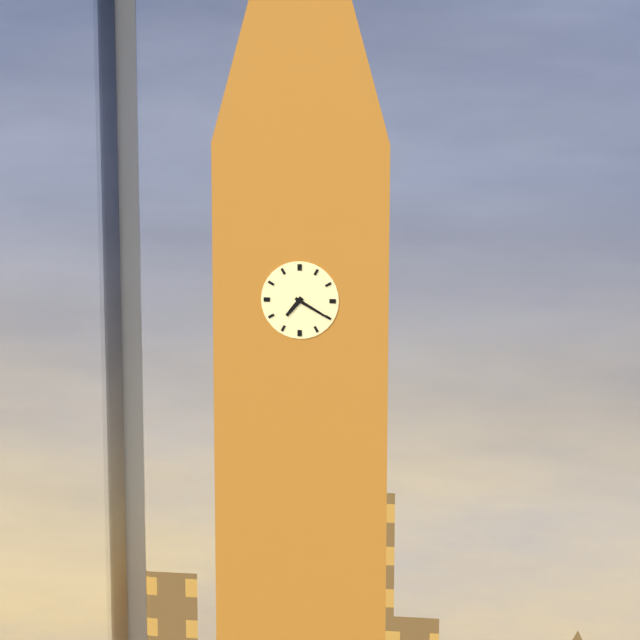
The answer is 7:20
